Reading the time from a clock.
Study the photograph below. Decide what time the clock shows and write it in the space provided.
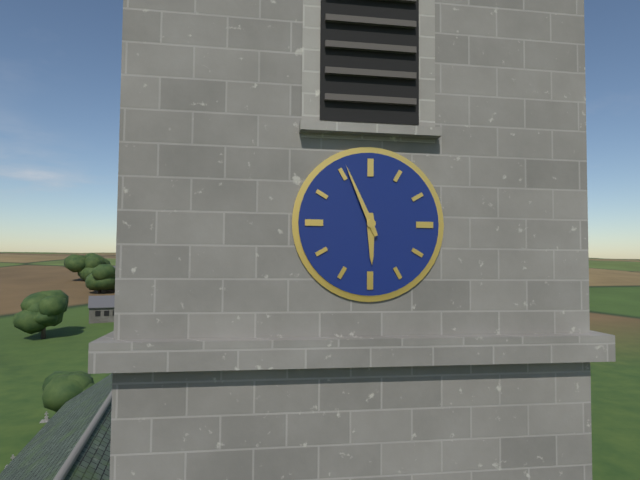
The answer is 5:56
